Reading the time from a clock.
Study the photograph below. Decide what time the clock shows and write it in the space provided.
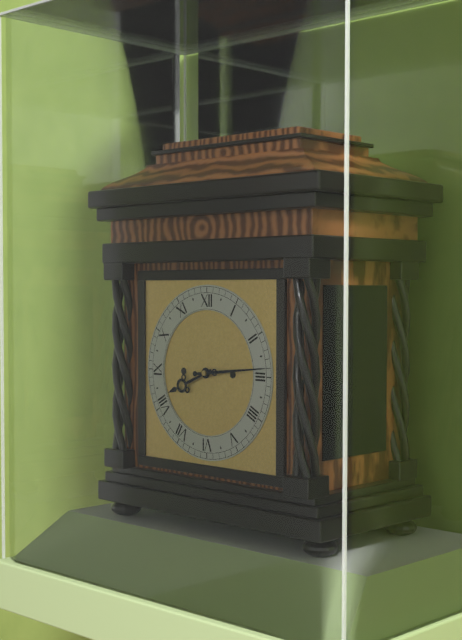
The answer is 8:14
